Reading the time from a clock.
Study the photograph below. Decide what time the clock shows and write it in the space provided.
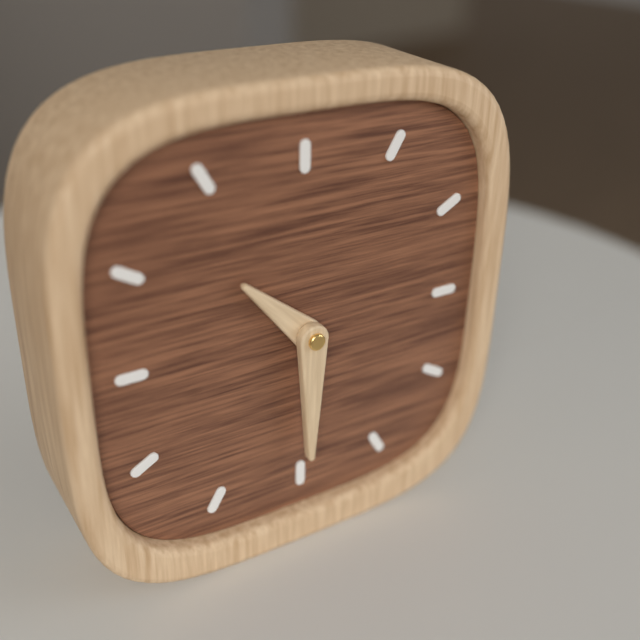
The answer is 10:30
